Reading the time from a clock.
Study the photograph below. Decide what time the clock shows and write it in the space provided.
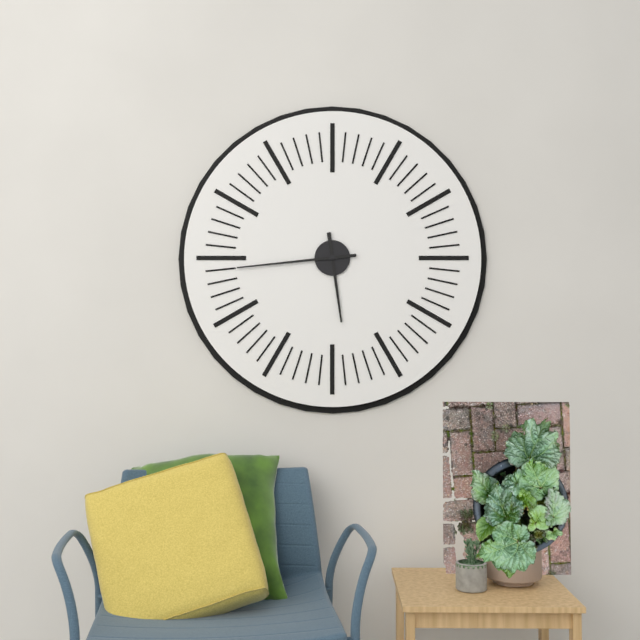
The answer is 5:44
